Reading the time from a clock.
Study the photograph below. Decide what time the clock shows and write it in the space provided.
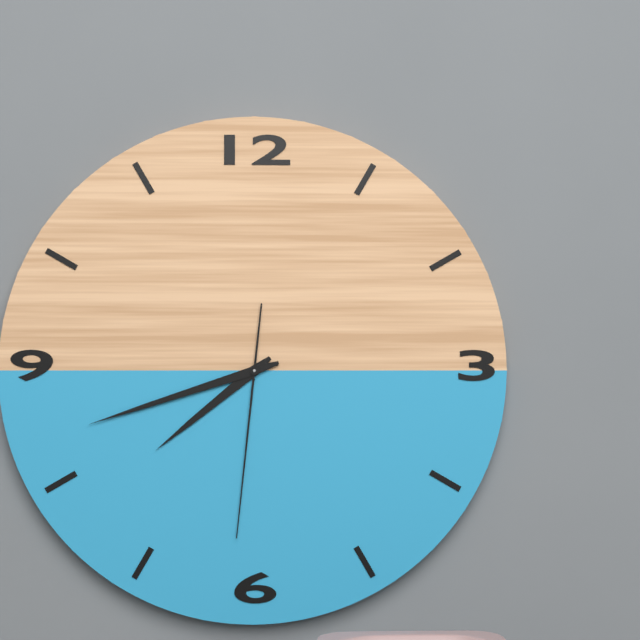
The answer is 7:42:31
